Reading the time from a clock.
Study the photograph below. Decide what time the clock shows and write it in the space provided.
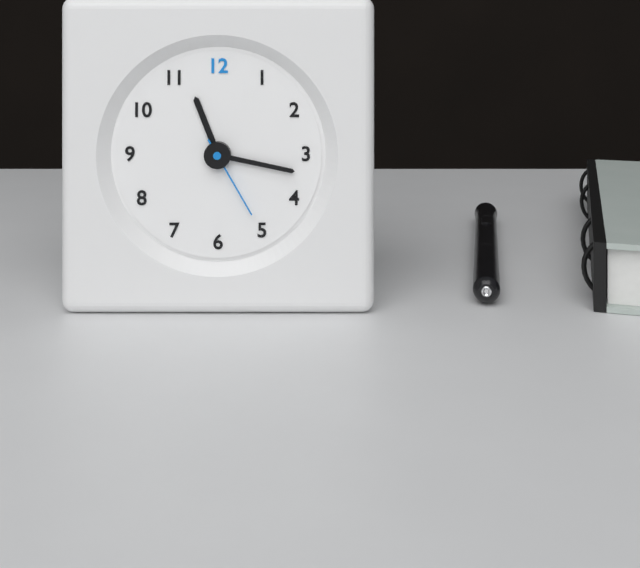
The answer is 11:17:25
